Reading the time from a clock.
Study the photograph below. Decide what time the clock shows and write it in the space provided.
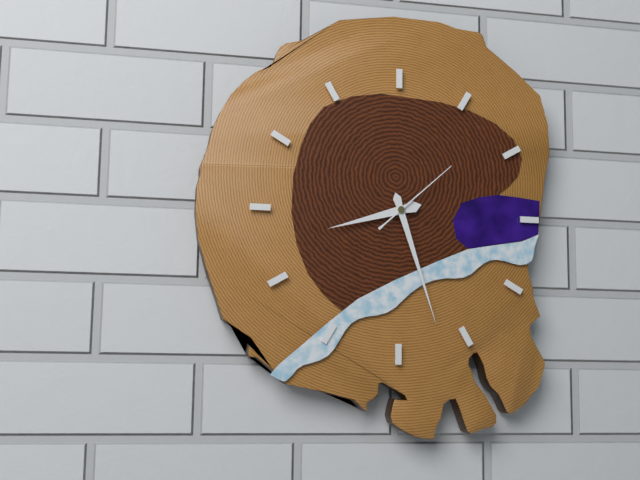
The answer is 8:27:08
